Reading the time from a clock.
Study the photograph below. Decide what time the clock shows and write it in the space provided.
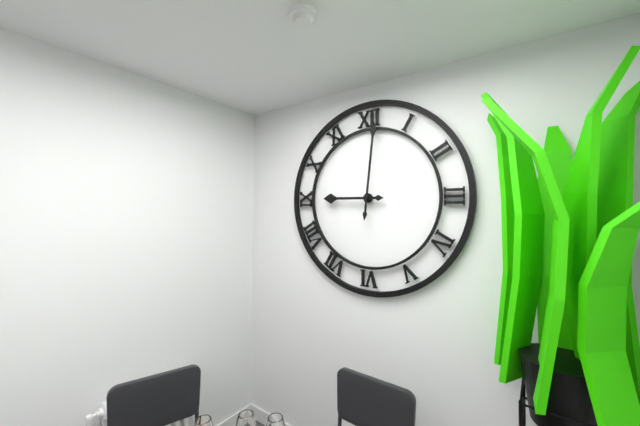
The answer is 9:01
